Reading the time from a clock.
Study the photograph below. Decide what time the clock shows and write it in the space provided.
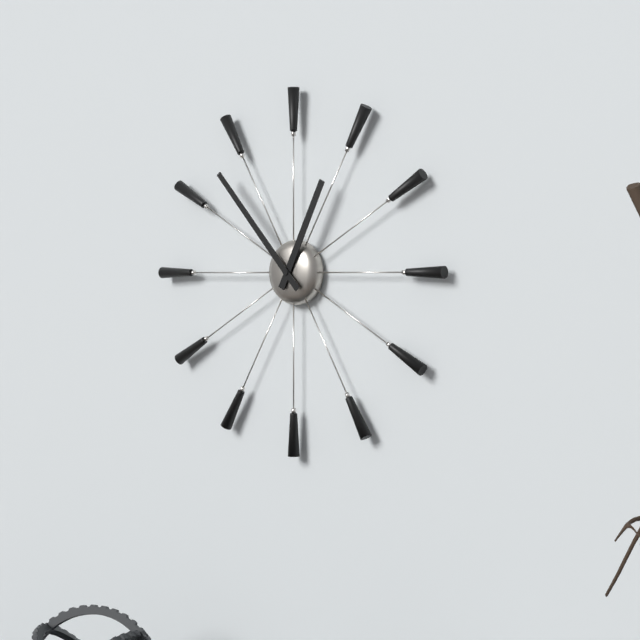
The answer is 12:53
